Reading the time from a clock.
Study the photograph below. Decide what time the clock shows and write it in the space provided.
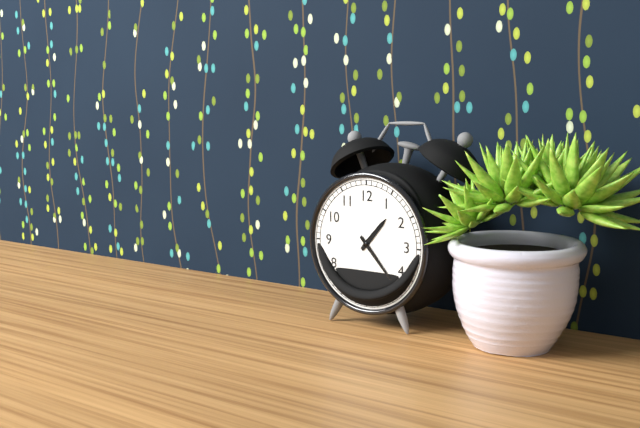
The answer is 1:23
